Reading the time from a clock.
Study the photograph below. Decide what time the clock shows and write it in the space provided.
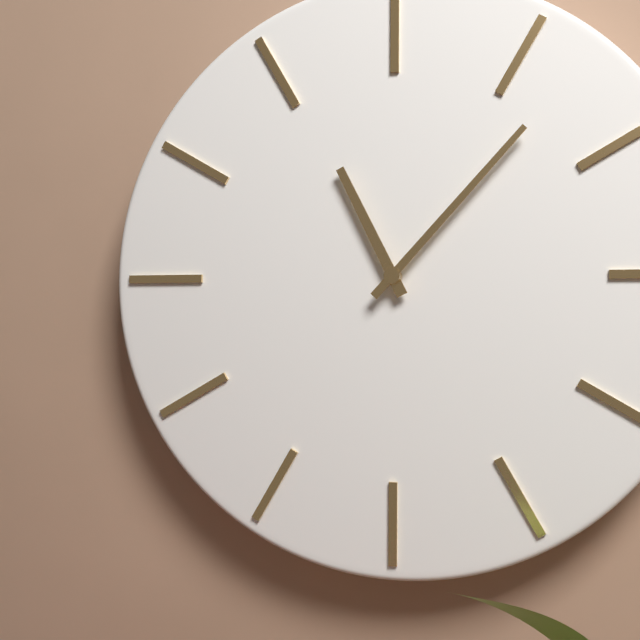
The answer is 11:07
